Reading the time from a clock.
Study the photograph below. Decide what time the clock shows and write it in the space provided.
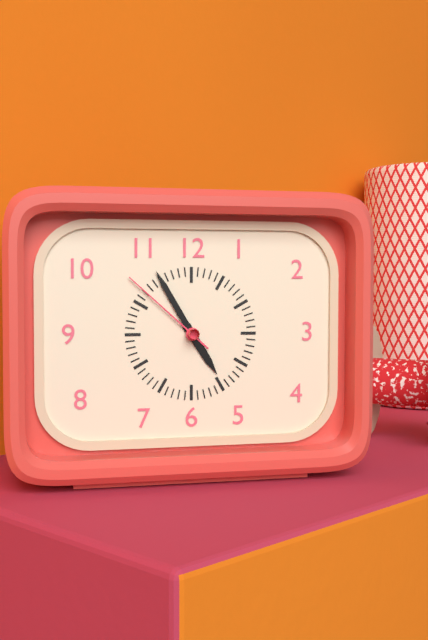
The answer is 4:55:52
